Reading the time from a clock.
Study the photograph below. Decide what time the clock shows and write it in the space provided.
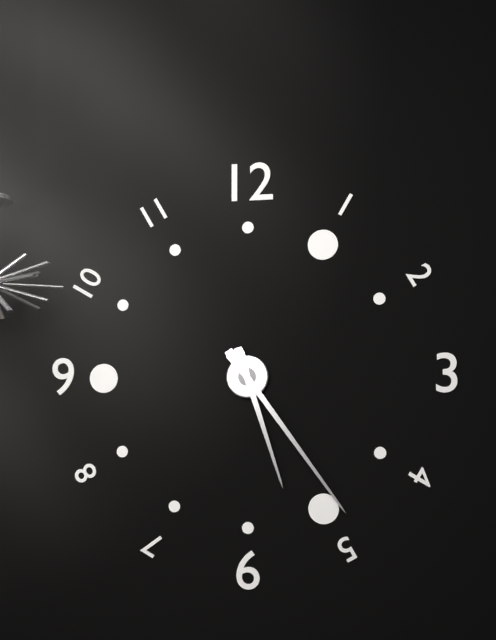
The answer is 5:24
